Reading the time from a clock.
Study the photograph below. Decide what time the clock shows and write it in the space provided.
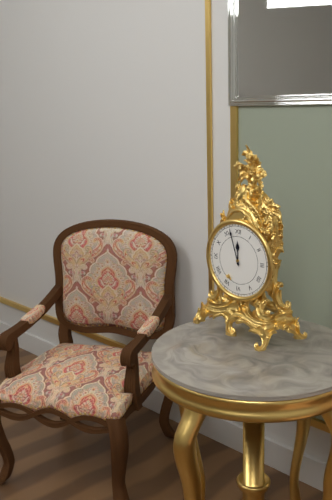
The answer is 11:57
